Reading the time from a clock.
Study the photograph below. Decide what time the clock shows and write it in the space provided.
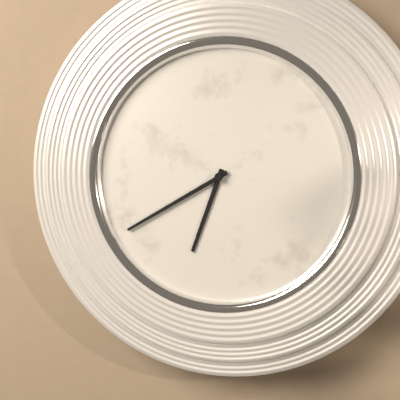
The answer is 6:40
